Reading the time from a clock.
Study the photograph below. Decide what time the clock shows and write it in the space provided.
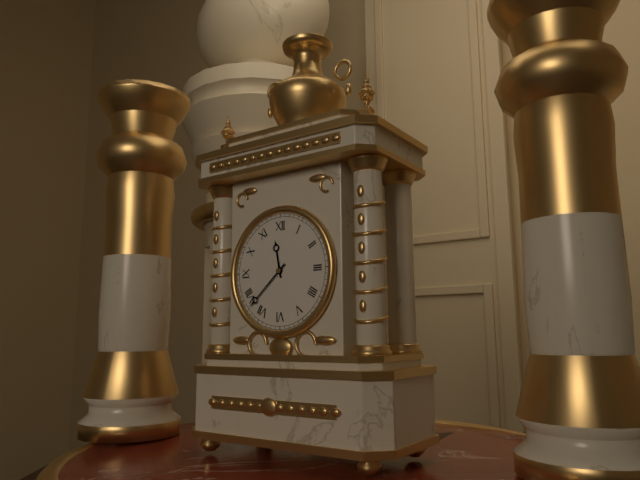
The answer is 11:38
